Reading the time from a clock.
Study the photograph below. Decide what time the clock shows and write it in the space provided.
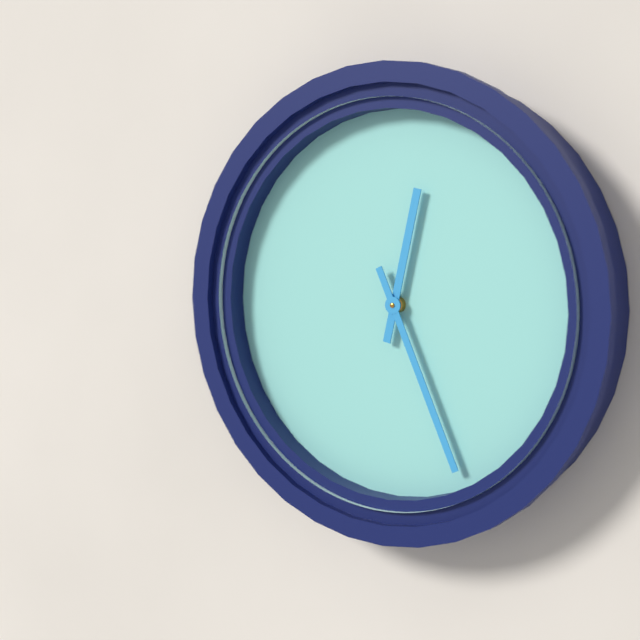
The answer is 12:26
